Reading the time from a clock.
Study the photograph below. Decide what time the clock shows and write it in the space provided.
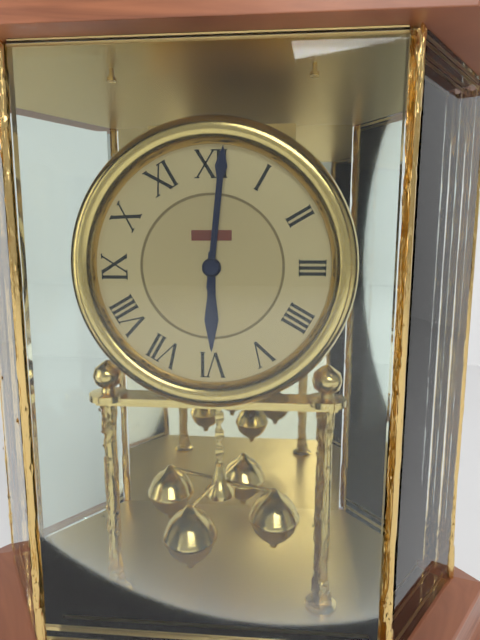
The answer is 6:01
